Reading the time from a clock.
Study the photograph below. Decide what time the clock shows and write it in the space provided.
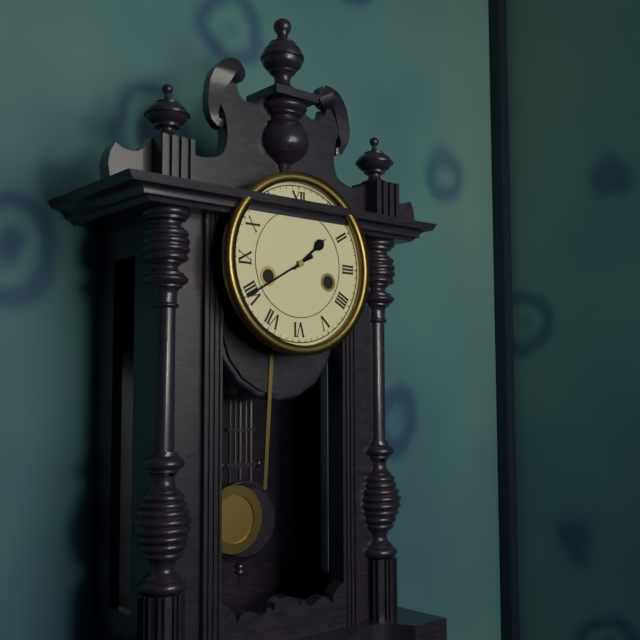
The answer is 1:40
